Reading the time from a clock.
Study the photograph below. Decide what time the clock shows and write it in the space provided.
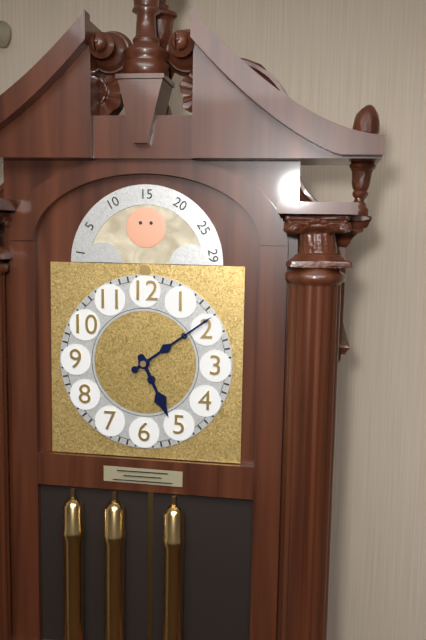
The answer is 5:09
